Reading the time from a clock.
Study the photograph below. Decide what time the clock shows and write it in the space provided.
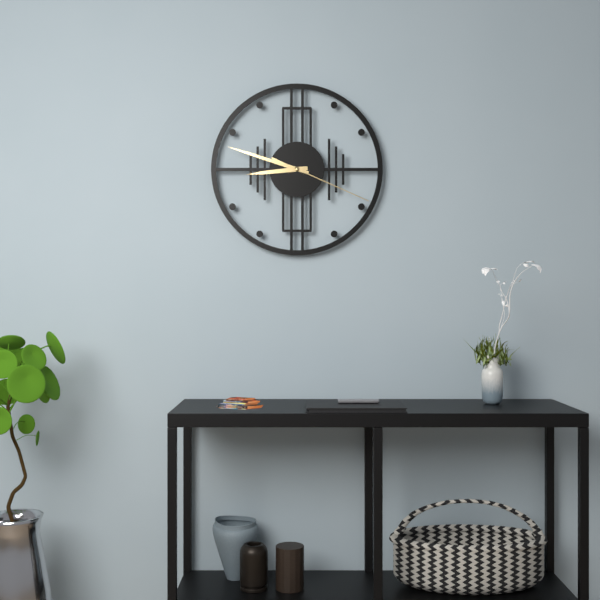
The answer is 8:48:19
